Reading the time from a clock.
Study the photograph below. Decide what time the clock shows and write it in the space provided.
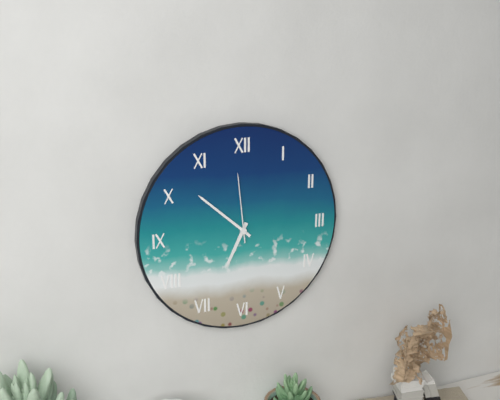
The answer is 6:52:59
